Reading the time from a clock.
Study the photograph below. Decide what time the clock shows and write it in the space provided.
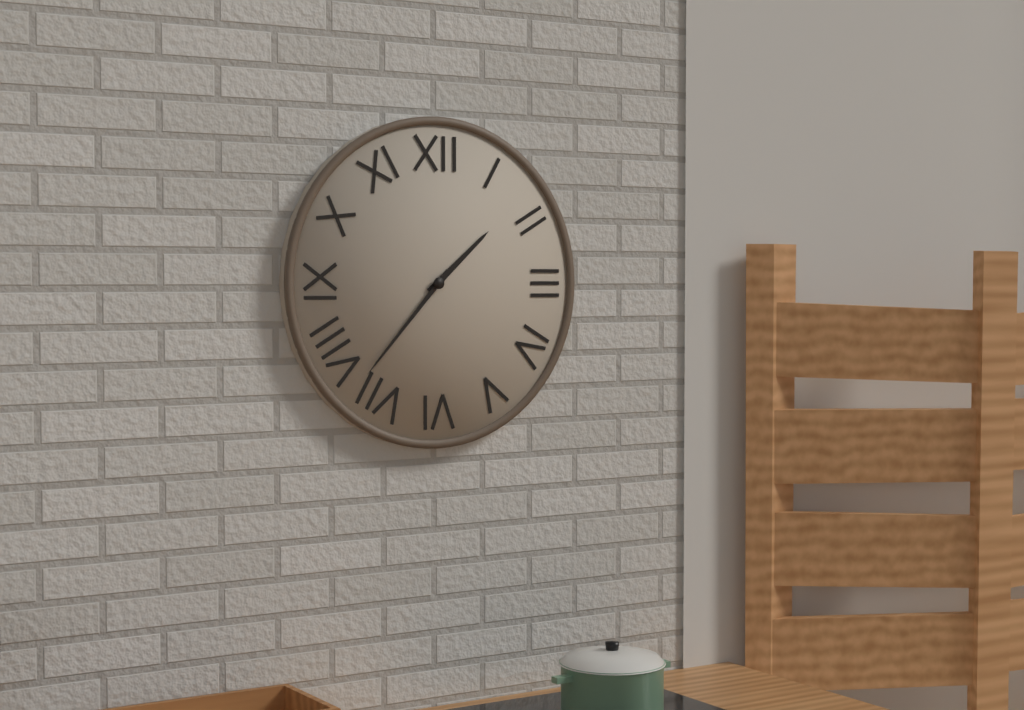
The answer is 1:37
